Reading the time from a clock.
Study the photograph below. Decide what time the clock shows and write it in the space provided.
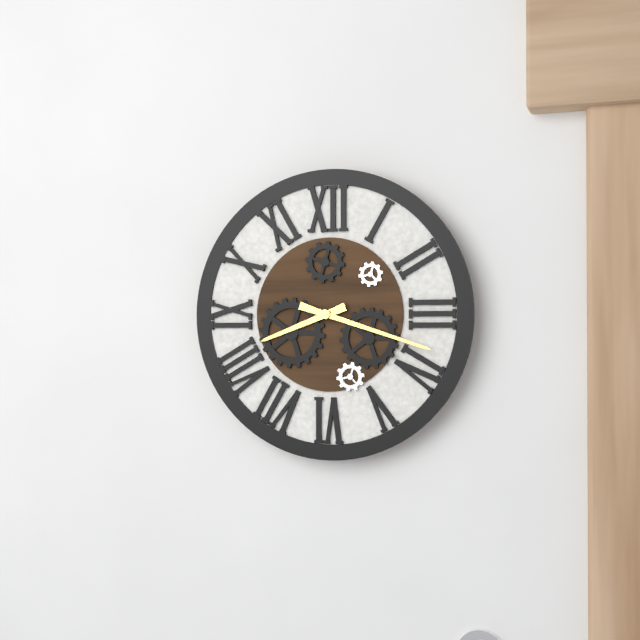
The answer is 8:18
